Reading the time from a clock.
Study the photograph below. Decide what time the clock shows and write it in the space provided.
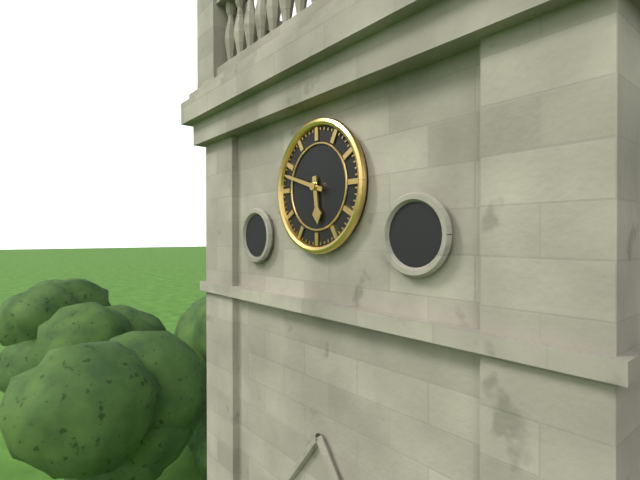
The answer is 5:48
